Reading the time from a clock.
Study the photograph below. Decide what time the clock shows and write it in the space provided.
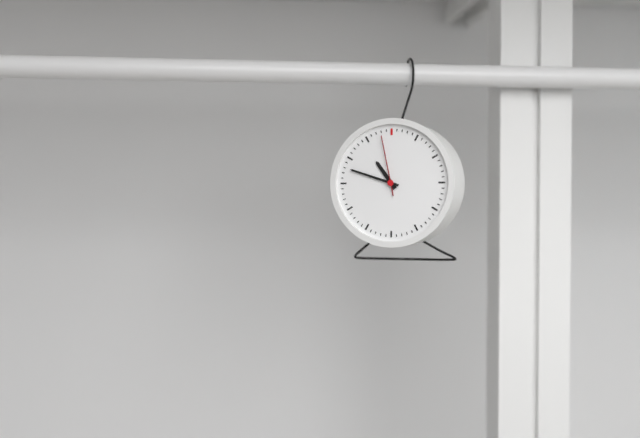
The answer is 10:48:58
